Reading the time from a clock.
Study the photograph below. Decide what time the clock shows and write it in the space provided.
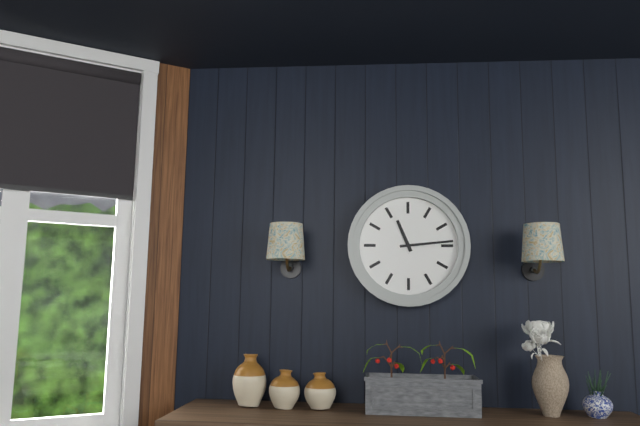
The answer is 11:14
